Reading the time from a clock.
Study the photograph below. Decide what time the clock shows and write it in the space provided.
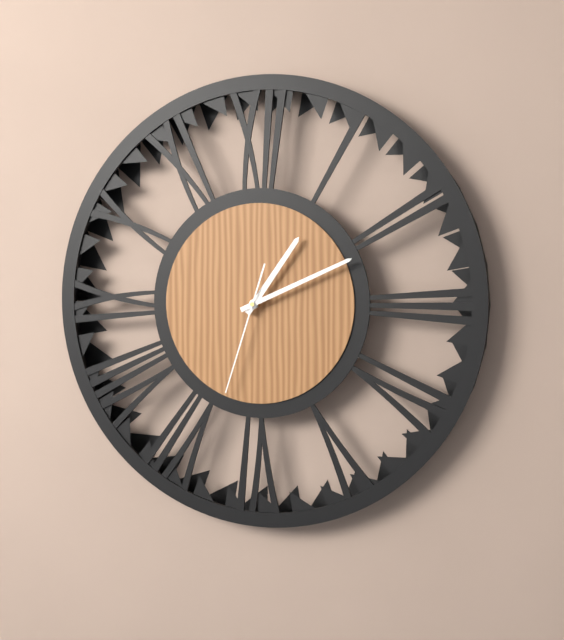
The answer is 1:11:33
